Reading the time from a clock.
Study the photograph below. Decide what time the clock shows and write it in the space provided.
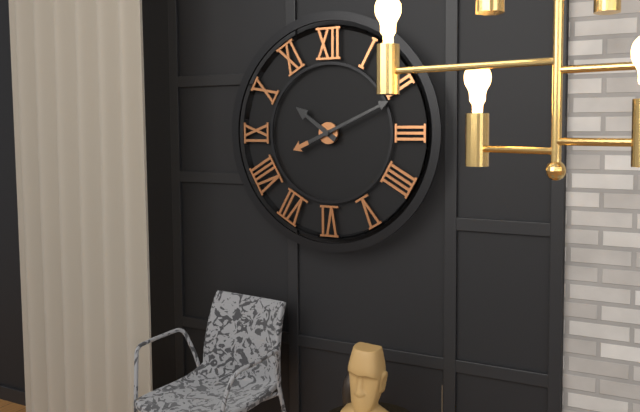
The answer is 10:11
